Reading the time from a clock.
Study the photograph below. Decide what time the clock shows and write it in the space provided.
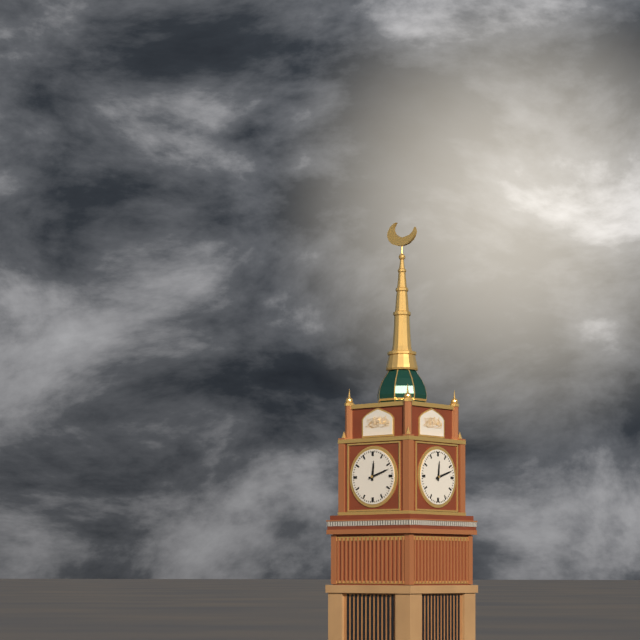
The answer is 12:12
